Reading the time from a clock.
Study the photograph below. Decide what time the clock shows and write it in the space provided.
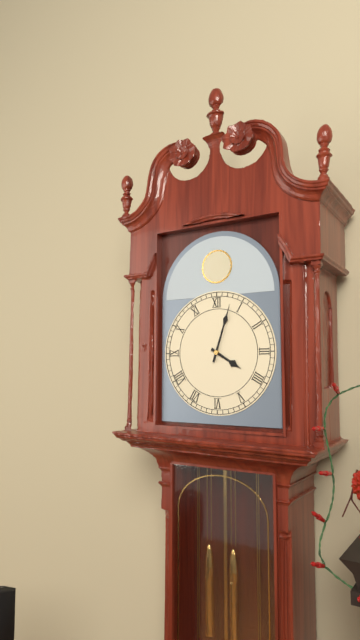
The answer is 4:03
